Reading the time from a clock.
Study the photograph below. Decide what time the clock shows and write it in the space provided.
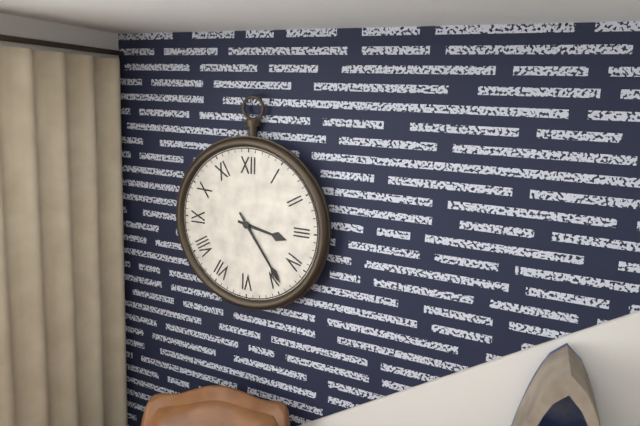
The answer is 3:24
